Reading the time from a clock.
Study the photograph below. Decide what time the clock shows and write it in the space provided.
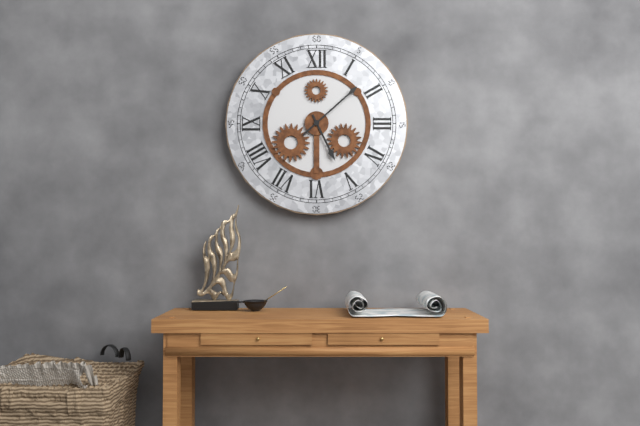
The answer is 5:08
